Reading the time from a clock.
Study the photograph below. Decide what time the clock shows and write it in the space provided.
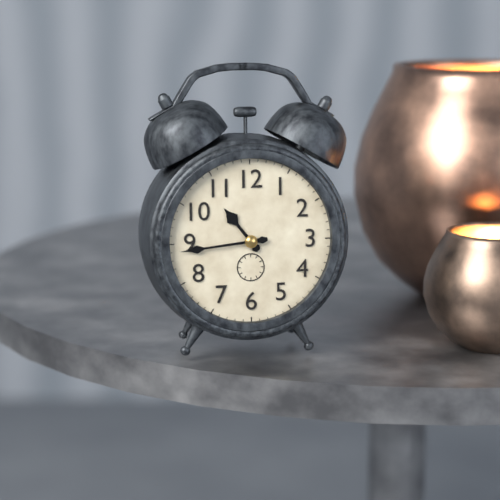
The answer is 10:44
